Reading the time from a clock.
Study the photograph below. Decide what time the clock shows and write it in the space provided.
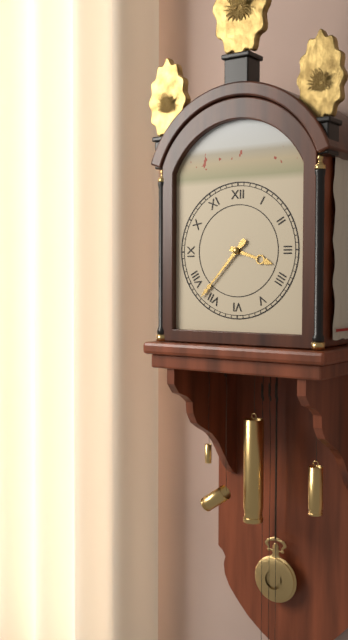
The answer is 3:37
